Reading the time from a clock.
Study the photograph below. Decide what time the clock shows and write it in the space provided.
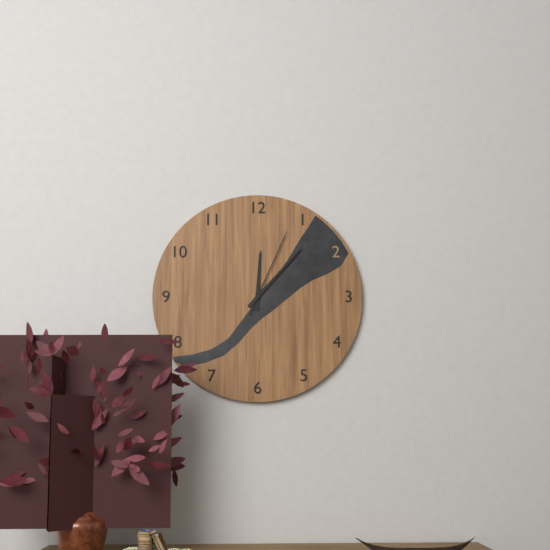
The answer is 12:07:04
